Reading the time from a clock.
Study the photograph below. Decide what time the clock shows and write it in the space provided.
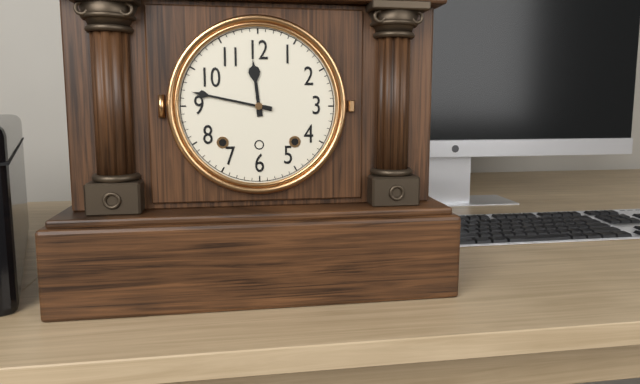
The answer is 11:47
